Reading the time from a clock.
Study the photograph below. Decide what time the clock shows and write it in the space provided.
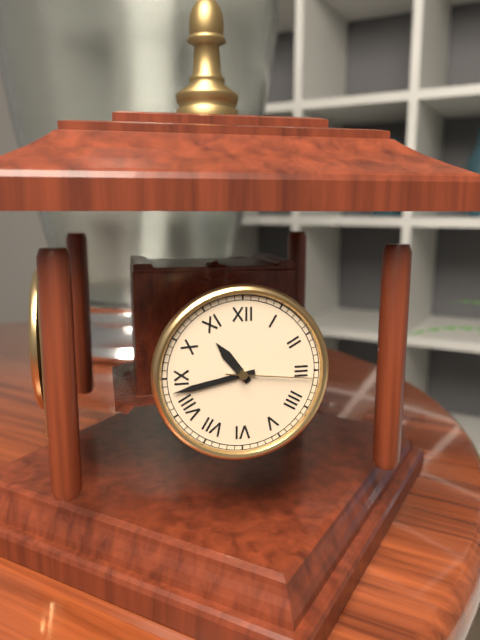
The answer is 10:43:16
